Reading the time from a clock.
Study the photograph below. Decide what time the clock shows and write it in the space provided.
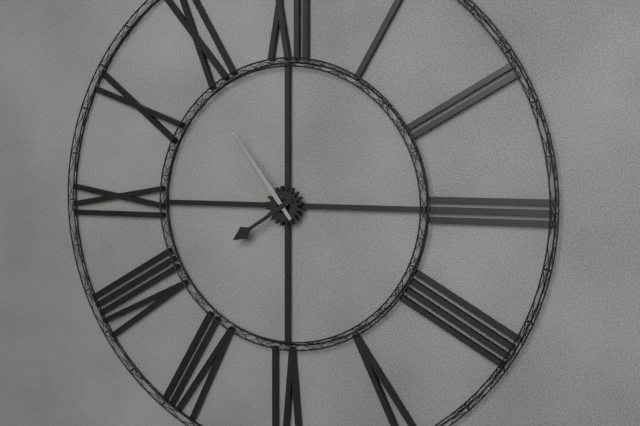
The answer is 7:54
